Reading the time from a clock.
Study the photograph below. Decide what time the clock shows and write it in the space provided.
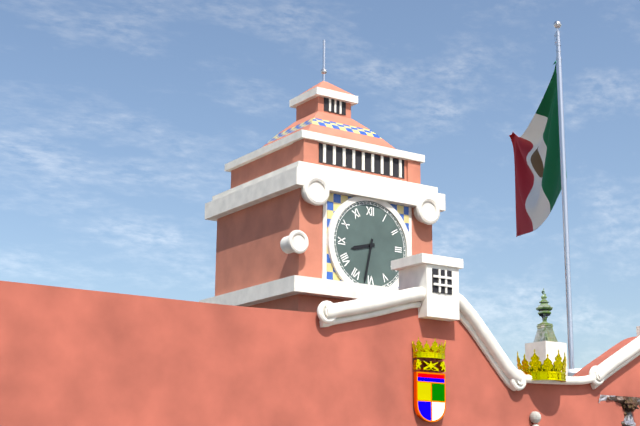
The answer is 8:32
